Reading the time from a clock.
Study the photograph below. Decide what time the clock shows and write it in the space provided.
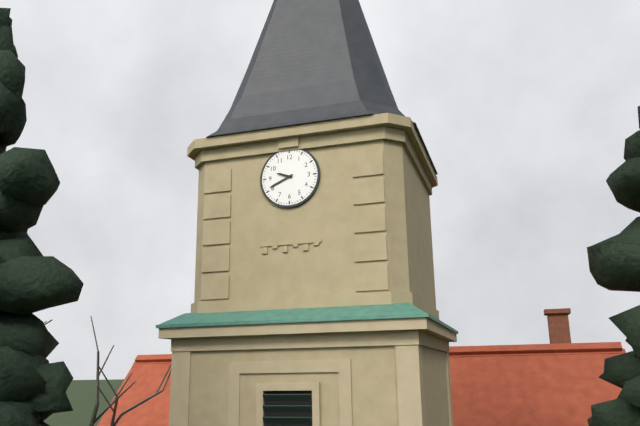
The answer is 9:41
